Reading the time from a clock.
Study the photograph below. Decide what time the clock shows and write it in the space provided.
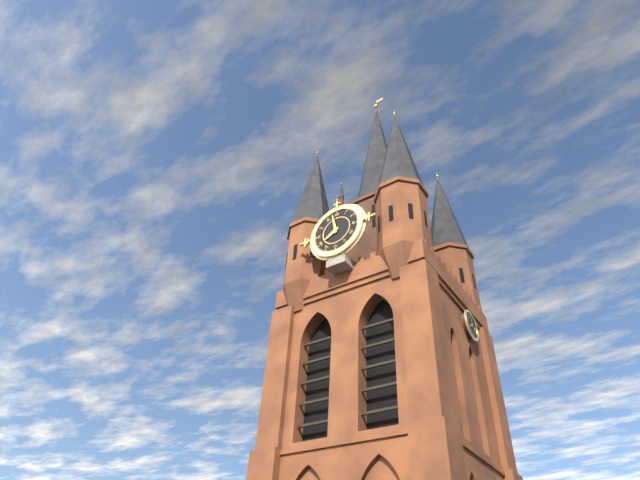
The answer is 7:58
